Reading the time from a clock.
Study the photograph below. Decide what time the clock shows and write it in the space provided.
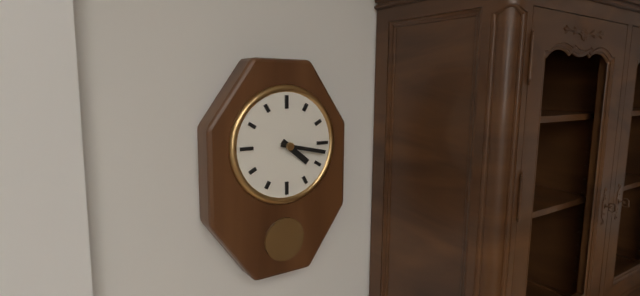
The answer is 4:17
